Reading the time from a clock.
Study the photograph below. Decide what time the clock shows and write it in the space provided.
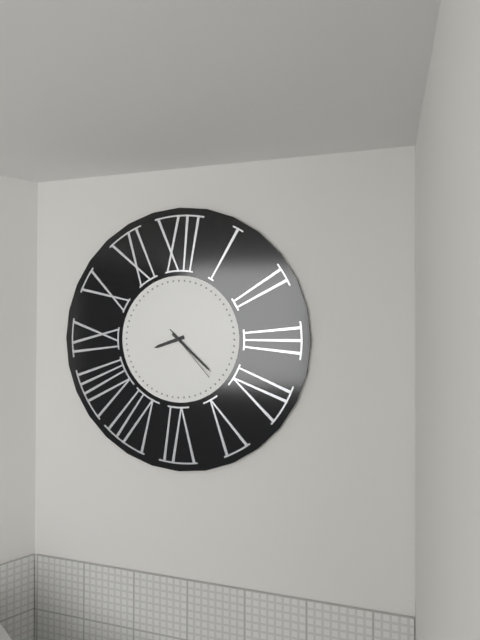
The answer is 8:22:23
